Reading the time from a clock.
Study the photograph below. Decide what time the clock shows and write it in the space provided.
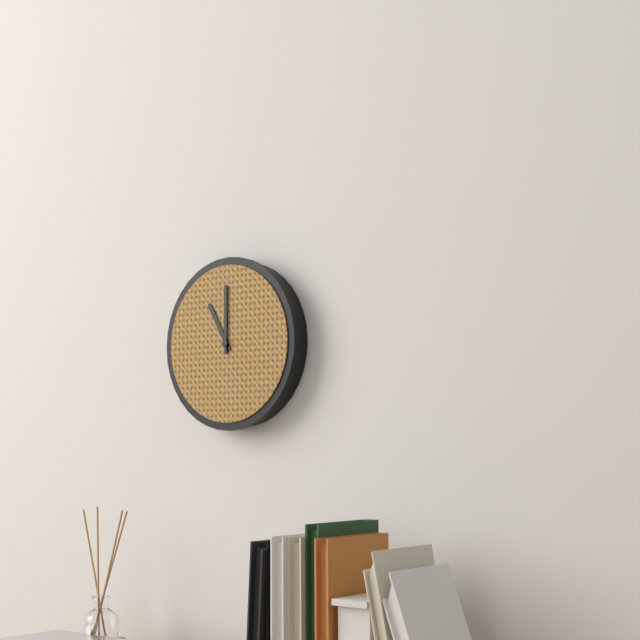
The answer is 11:00
